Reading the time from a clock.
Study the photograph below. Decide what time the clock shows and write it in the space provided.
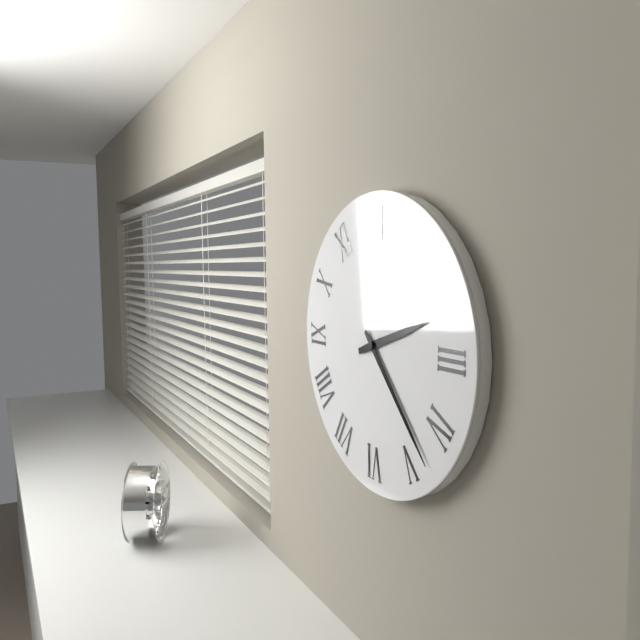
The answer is 2:23
